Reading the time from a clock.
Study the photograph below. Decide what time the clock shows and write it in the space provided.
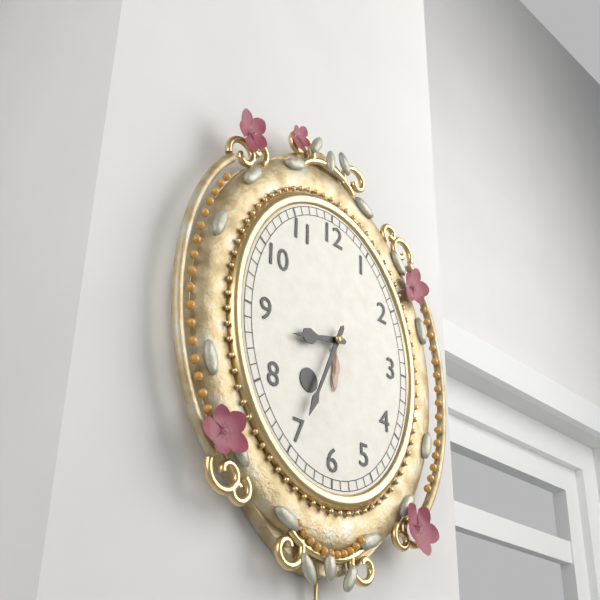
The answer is 8:34
